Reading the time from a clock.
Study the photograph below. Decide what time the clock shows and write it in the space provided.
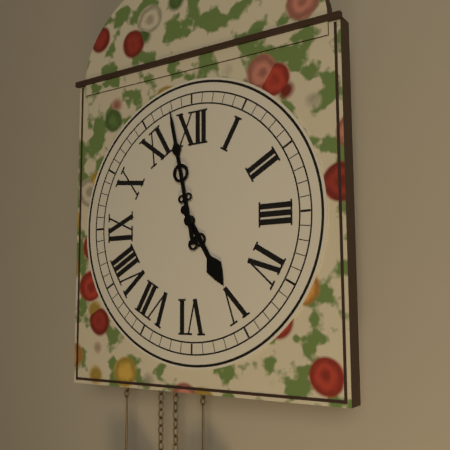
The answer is 4:58
